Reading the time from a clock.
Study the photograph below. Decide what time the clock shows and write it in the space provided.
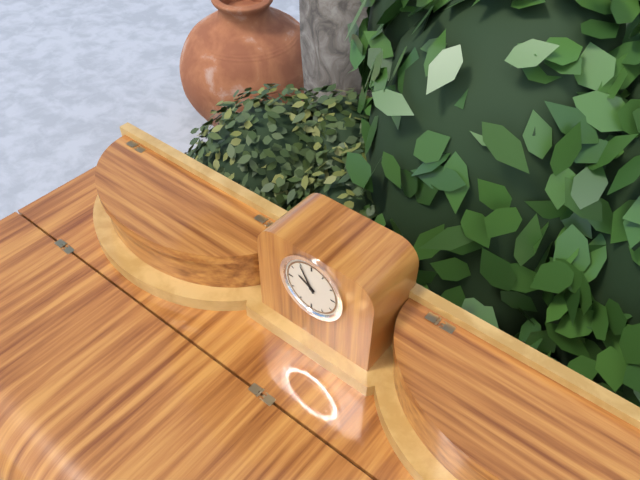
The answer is 9:55
